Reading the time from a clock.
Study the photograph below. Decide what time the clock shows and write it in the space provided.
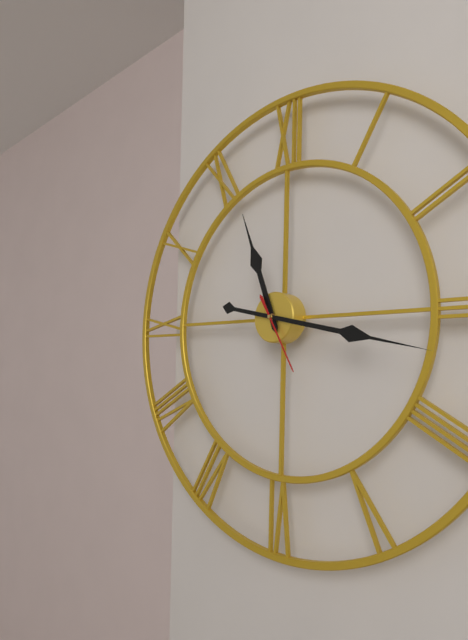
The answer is 11:17:25
